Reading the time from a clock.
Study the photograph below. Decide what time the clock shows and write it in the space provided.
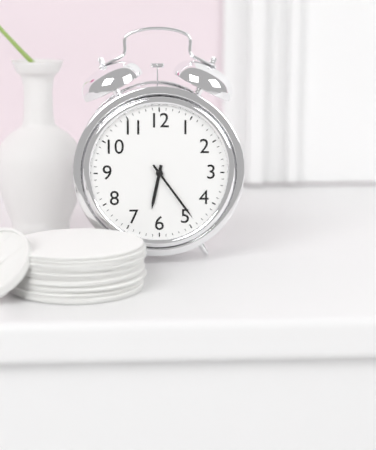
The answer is 6:24
